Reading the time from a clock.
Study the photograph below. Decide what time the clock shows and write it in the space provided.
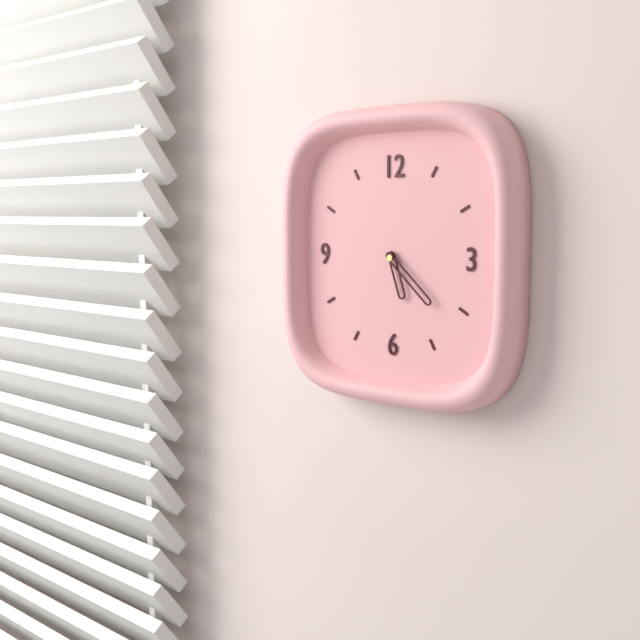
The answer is 5:22
